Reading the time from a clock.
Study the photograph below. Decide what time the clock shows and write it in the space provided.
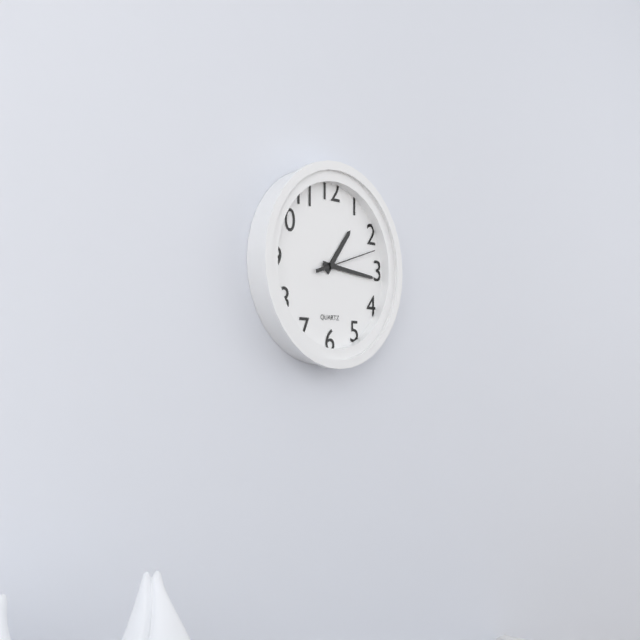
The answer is 1:16:12
